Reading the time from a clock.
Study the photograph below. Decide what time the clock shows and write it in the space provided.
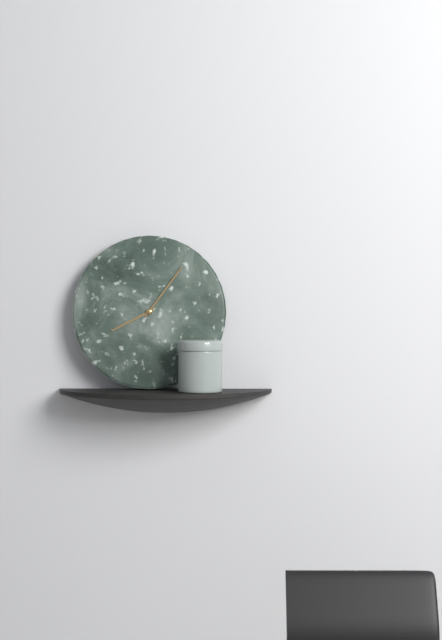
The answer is 8:06
